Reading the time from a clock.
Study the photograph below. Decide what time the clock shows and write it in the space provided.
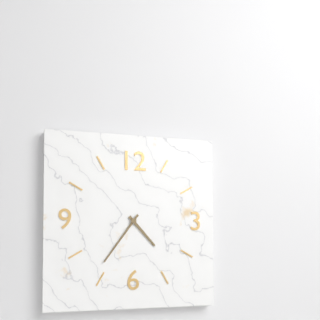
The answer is 4:36
